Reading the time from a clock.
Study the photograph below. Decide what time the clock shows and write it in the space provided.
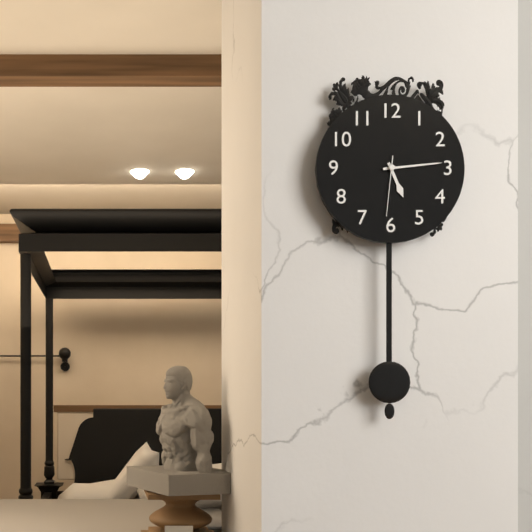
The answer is 5:14:31
